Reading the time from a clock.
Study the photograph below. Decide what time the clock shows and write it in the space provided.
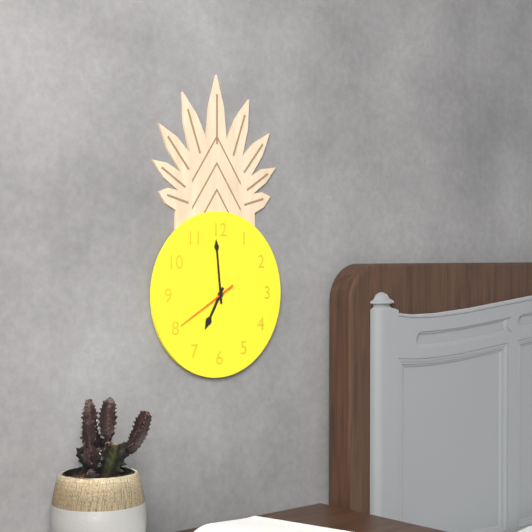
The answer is 6:59:40
